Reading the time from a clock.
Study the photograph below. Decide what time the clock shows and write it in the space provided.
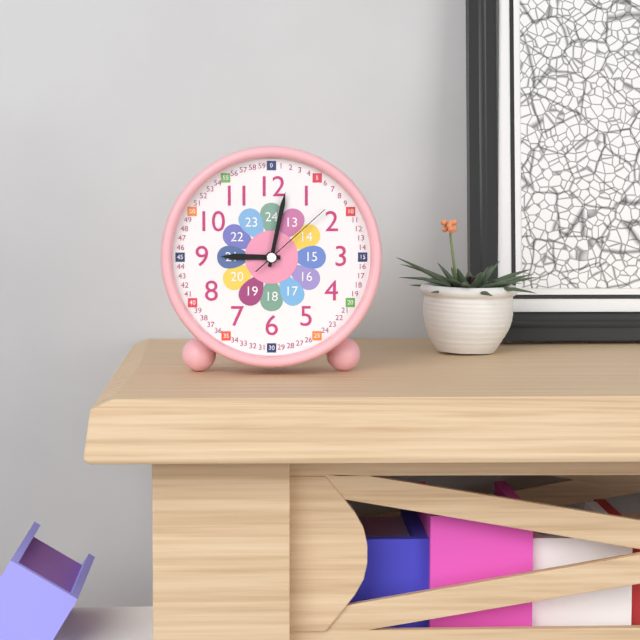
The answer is 9:02:08
